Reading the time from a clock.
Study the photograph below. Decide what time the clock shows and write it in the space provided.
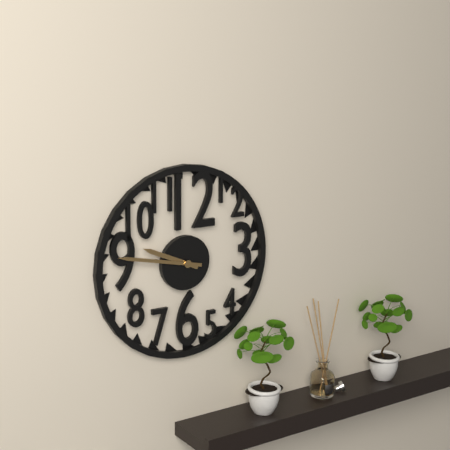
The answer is 9:47
